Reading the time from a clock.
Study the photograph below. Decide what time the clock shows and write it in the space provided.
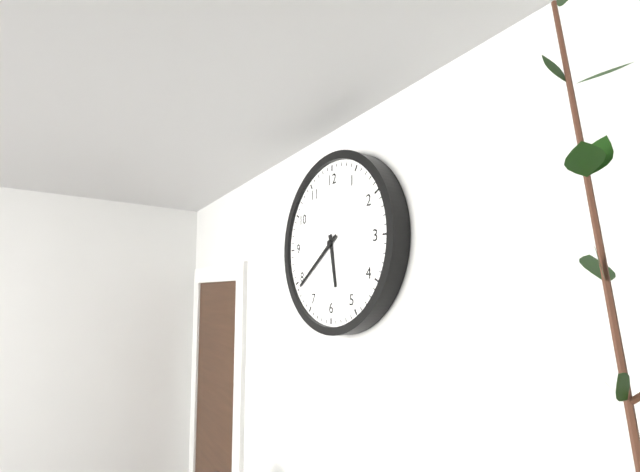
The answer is 5:39
